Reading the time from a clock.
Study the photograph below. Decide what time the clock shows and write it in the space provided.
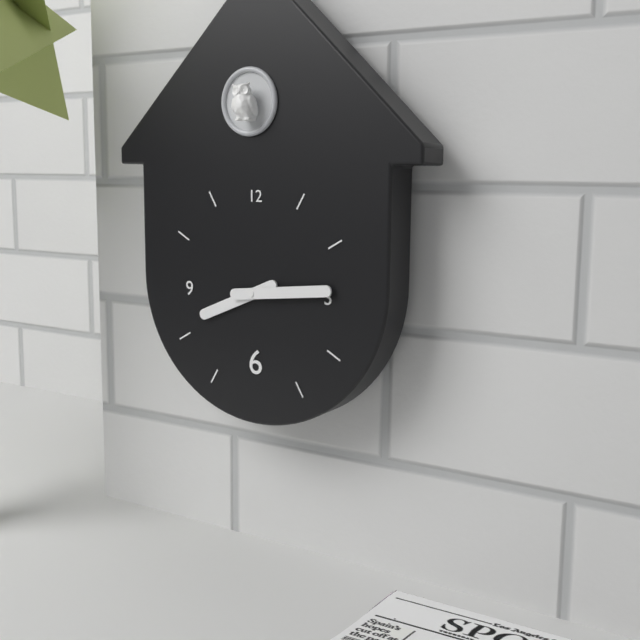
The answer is 8:14
